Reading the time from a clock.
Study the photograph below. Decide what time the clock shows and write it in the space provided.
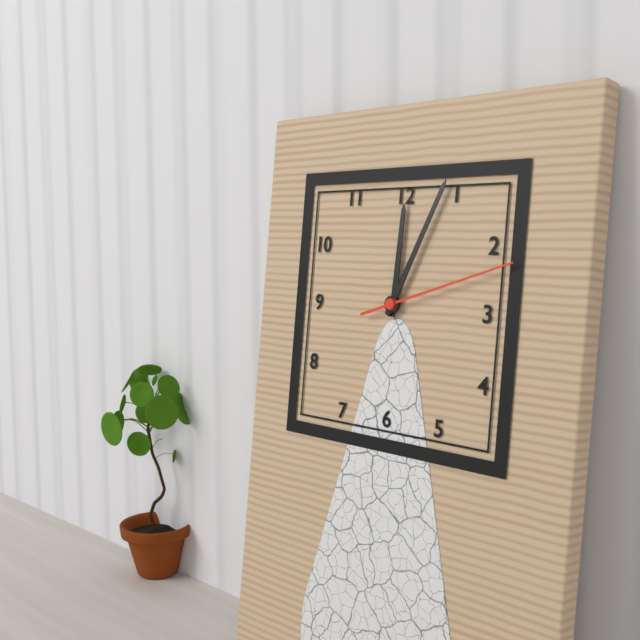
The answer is 12:04:12
